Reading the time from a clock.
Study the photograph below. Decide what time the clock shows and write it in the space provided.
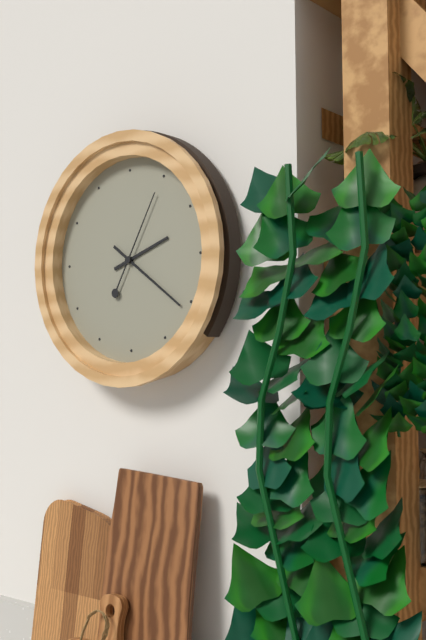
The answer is 2:21:05
